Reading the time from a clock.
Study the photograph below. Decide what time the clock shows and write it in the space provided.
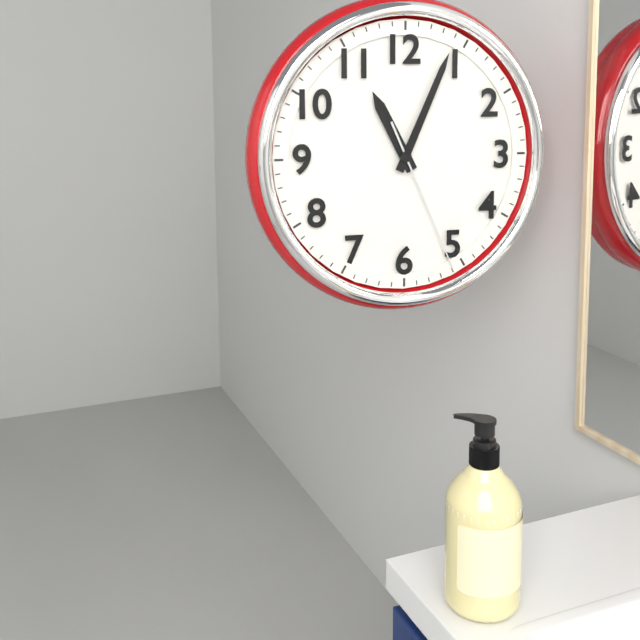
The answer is 11:04:26
